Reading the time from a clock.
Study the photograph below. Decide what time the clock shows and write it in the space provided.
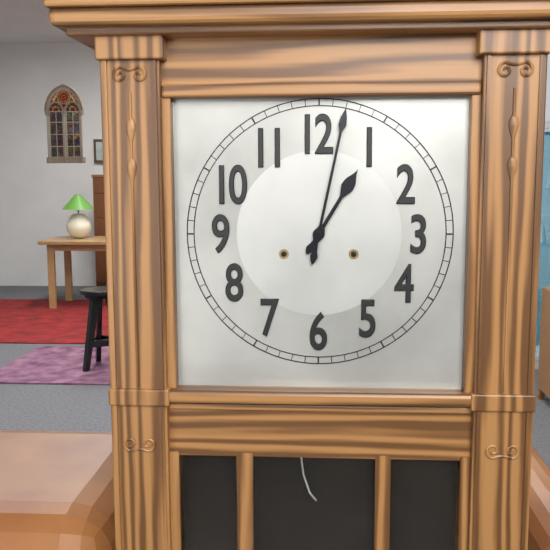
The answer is 1:02
